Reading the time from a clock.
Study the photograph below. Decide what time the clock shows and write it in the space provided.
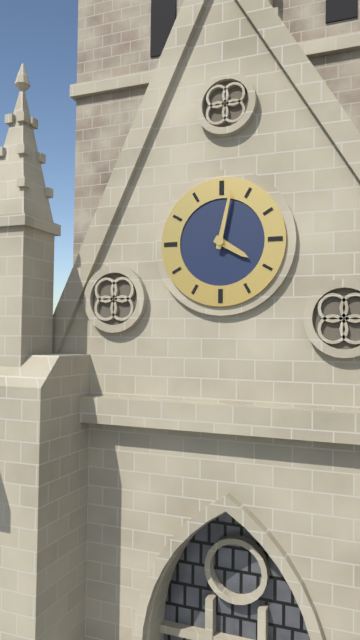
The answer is 4:02
